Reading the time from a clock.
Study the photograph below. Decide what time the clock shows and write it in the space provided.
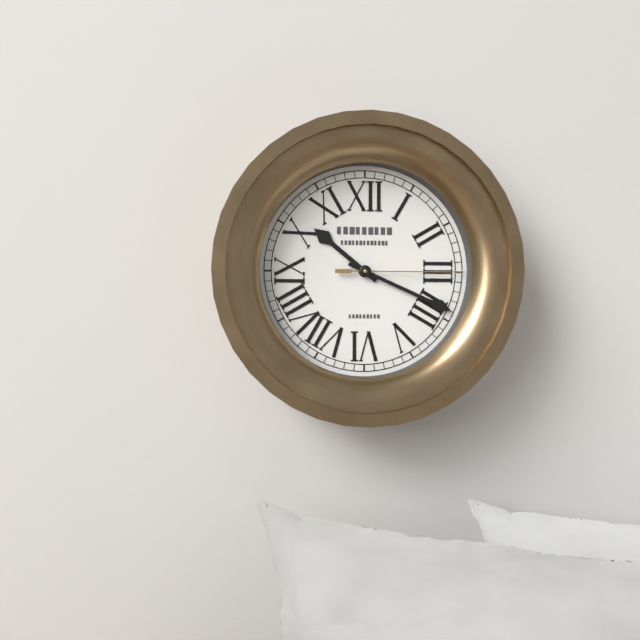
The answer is 10:19:15
